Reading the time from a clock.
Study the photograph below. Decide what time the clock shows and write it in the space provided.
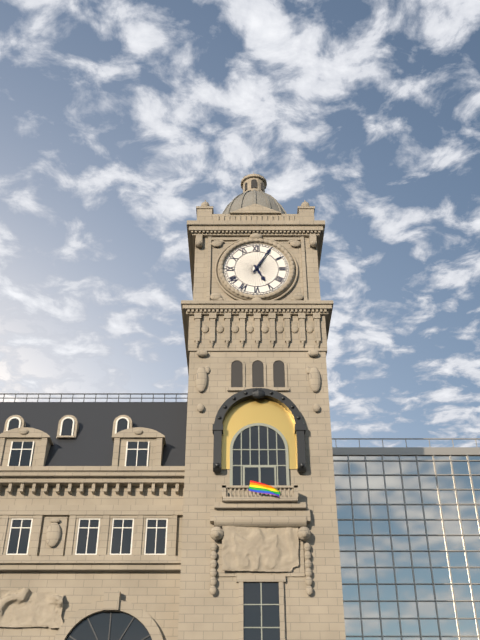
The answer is 5:05
